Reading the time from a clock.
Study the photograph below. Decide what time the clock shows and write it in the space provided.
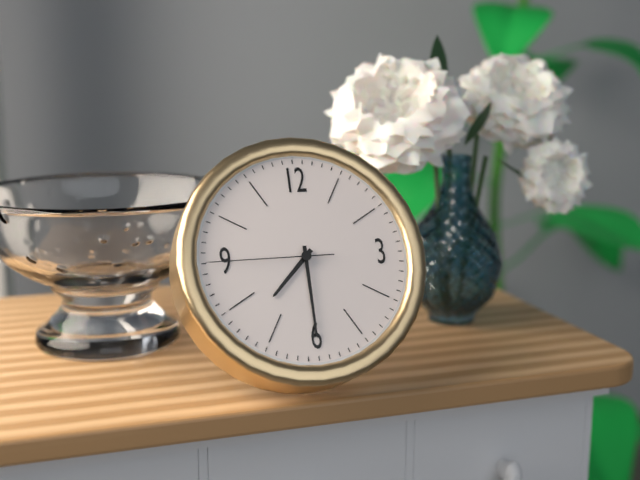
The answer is 7:30:45
